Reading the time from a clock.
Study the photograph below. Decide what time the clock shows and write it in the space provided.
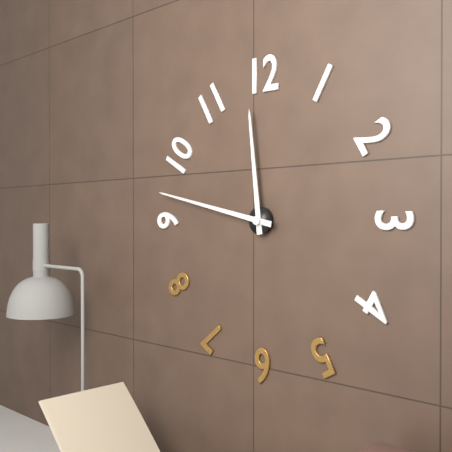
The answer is 11:47
